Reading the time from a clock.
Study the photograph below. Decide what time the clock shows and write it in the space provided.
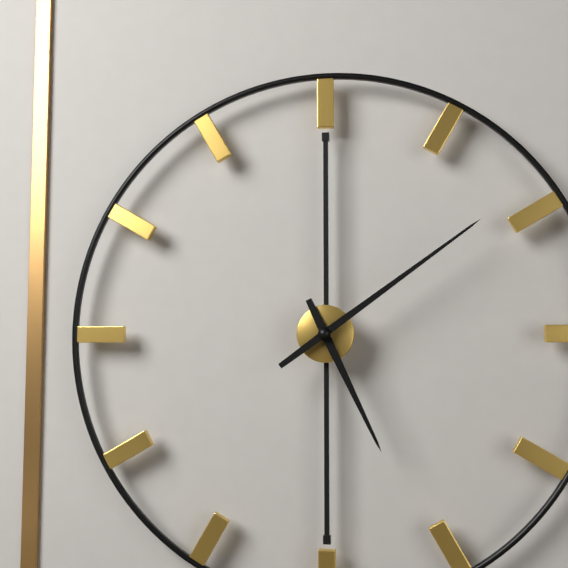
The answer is 5:09
